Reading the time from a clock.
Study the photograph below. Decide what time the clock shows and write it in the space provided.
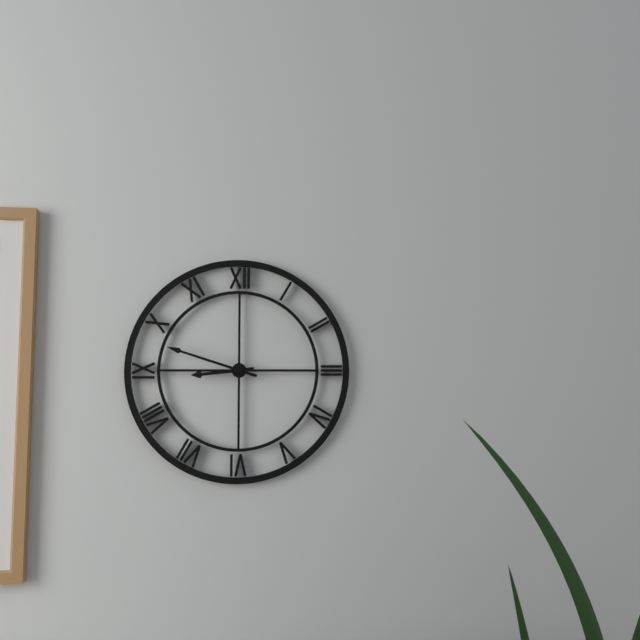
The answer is 8:48
